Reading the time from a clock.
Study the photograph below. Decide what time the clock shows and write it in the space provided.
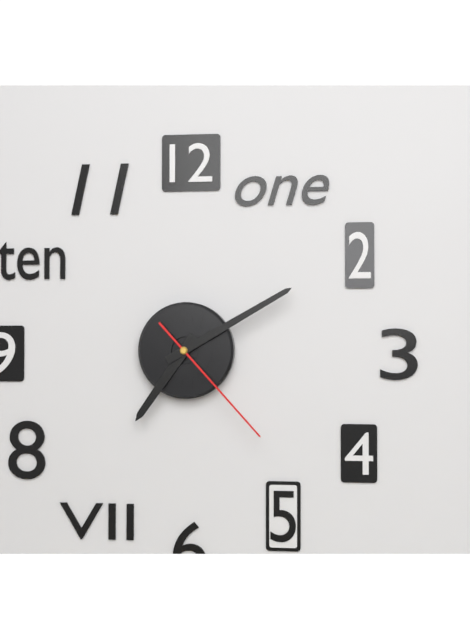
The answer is 7:10:23
